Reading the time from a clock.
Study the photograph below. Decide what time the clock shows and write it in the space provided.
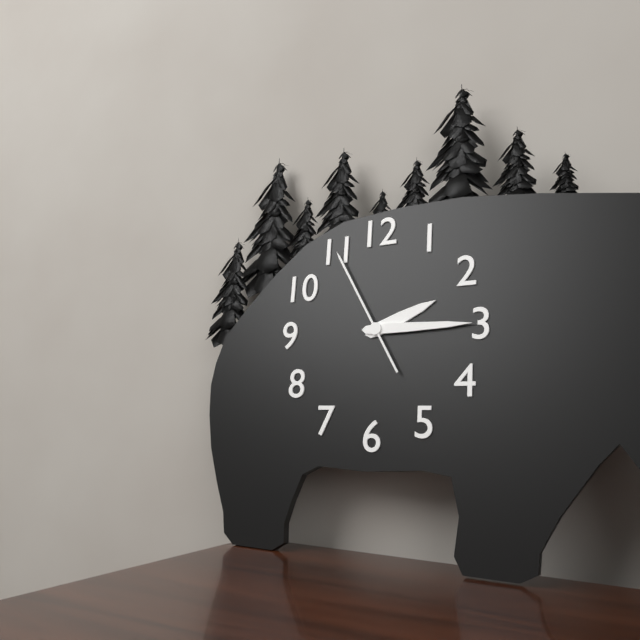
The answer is 2:15:55
